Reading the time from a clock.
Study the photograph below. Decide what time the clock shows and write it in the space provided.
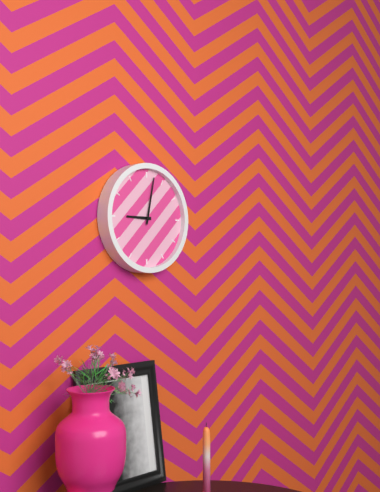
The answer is 9:02
